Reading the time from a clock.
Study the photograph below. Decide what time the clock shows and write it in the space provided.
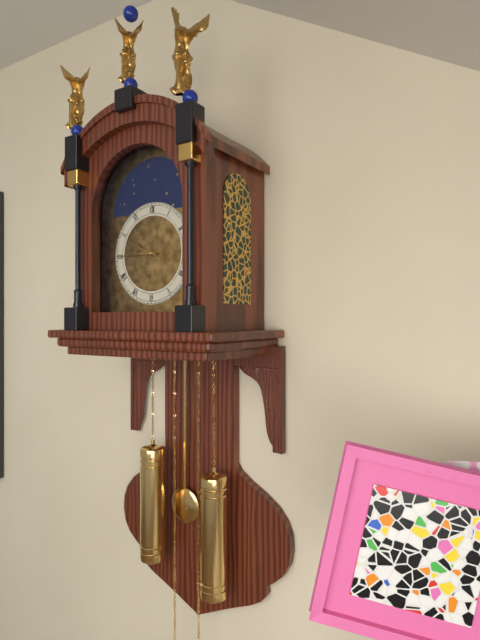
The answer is 9:45
